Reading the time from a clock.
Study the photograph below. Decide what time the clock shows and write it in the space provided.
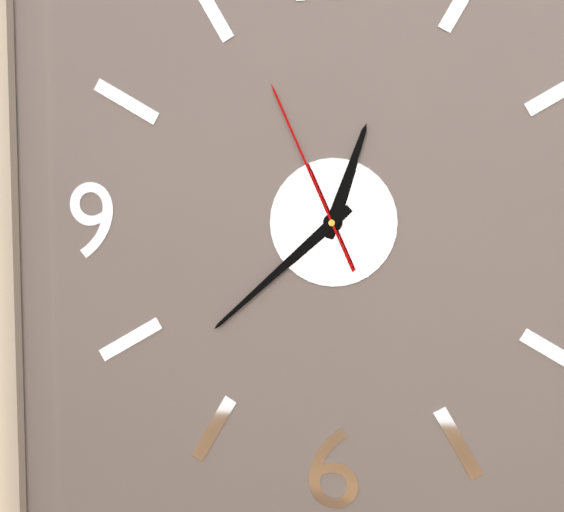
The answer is 12:38:56
